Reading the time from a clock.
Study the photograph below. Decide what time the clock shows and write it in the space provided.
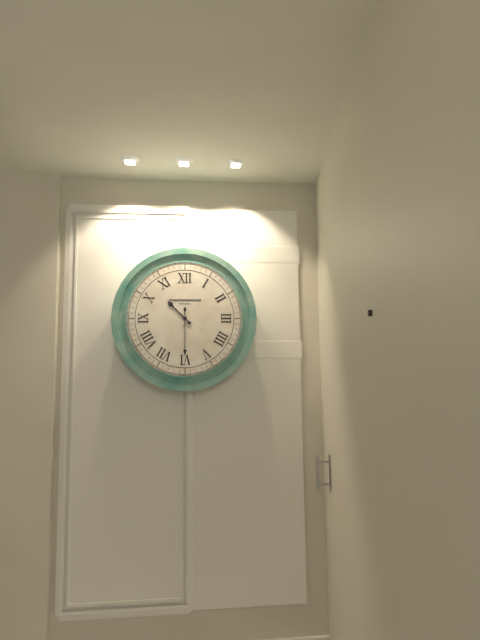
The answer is 10:30
